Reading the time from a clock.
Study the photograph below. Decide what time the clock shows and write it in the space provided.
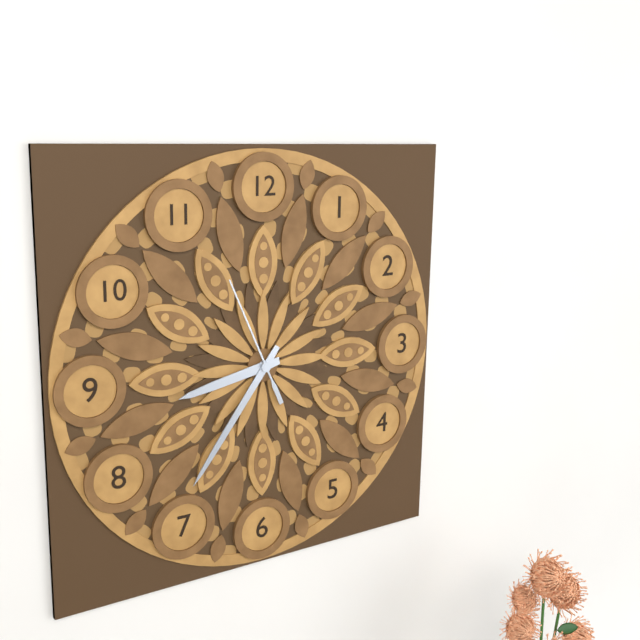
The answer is 8:36:56
